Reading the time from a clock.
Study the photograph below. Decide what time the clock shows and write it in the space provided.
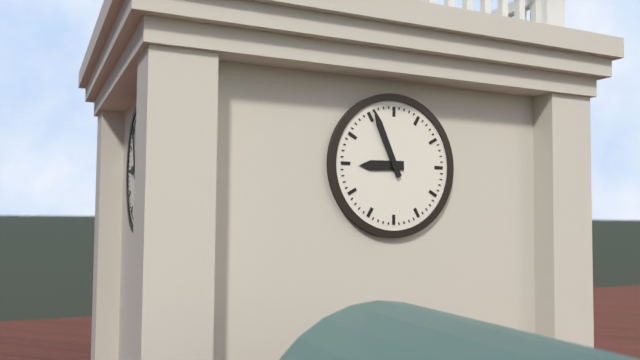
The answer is 8:56
